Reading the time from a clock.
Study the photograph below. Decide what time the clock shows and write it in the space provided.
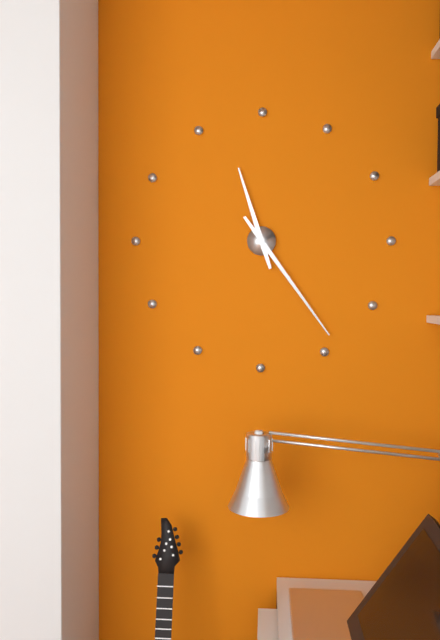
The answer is 11:24
